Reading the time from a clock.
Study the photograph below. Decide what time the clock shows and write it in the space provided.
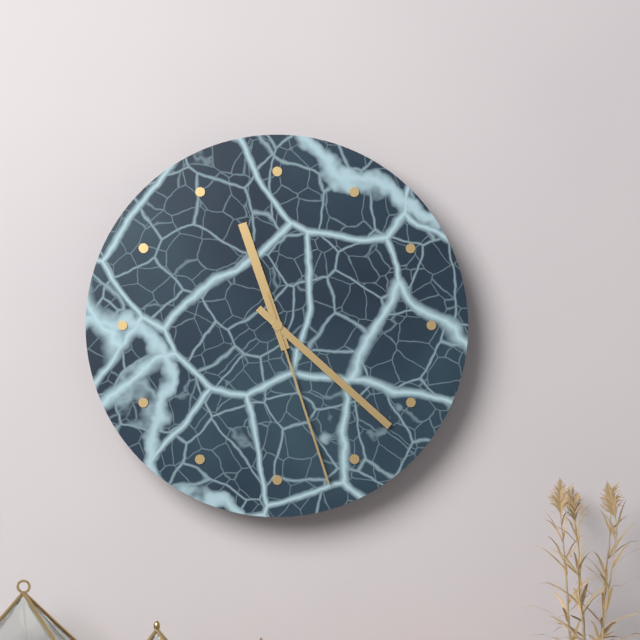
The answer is 11:22:27
